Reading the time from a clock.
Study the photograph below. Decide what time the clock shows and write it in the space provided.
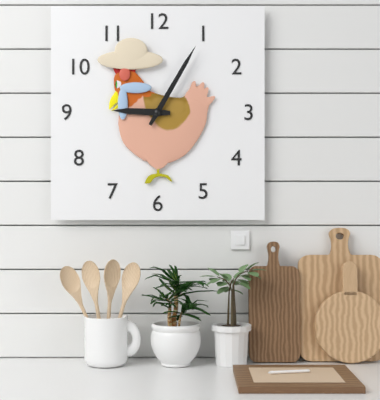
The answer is 9:05
